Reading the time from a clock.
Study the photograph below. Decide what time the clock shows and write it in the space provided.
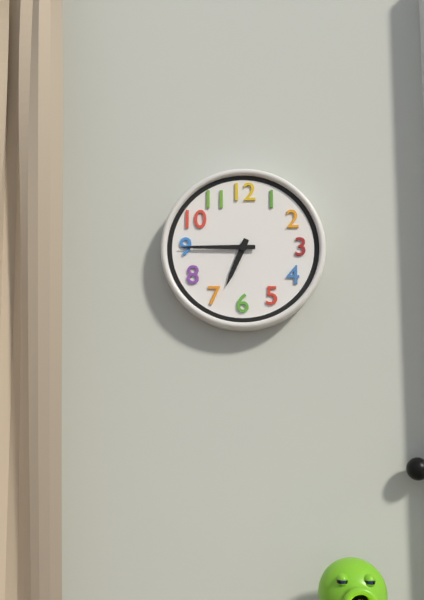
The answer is 6:45
